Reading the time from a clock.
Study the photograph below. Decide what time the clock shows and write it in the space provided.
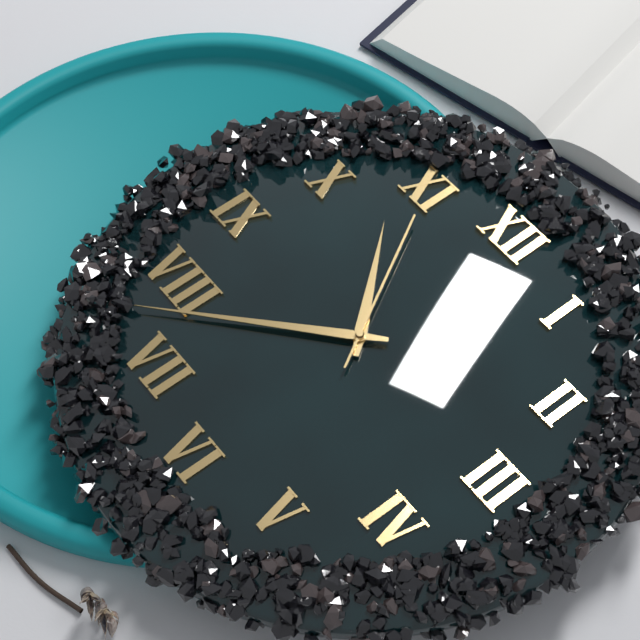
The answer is 10:38:55
